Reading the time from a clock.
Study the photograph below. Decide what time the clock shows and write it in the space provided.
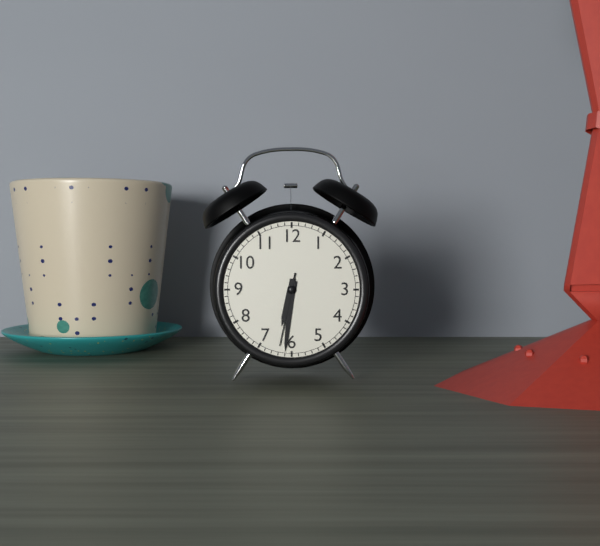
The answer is 6:31:32
